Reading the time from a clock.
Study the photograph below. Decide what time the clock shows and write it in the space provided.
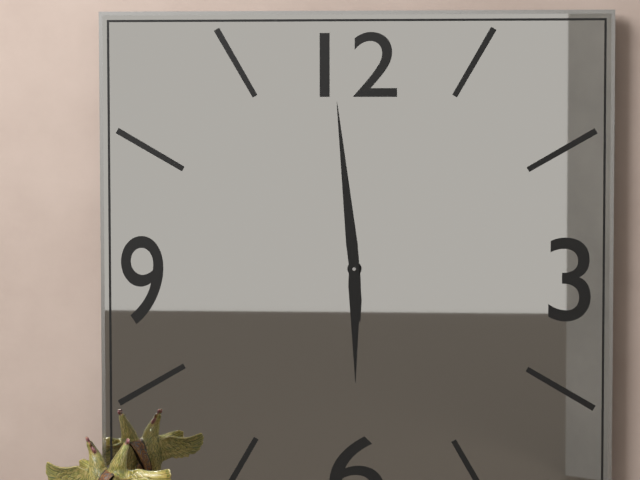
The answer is 5:59
